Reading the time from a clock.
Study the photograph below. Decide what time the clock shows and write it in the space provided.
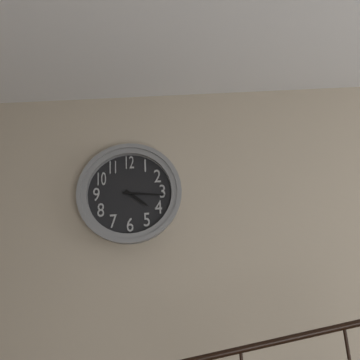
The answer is 4:16
